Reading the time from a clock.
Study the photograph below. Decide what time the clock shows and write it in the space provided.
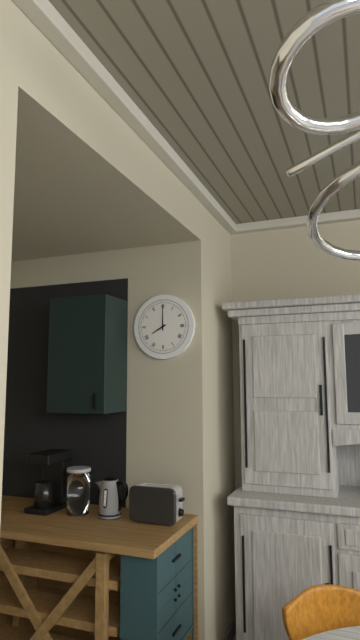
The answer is 8:00
